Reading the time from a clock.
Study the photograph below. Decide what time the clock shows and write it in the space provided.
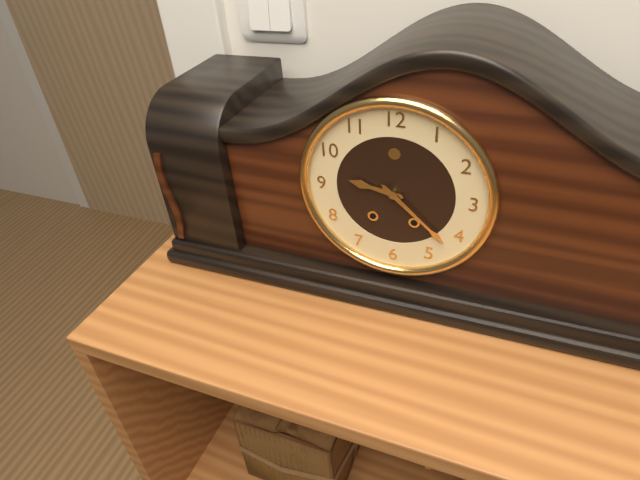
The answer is 9:22
